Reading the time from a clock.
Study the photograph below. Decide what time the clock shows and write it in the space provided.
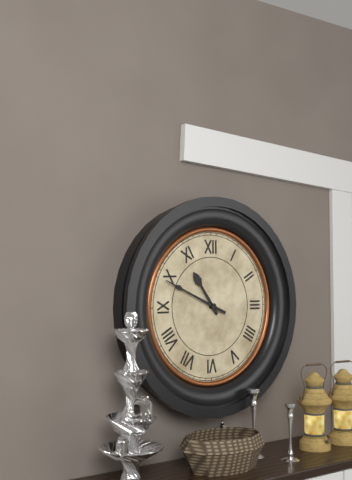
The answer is 10:49
